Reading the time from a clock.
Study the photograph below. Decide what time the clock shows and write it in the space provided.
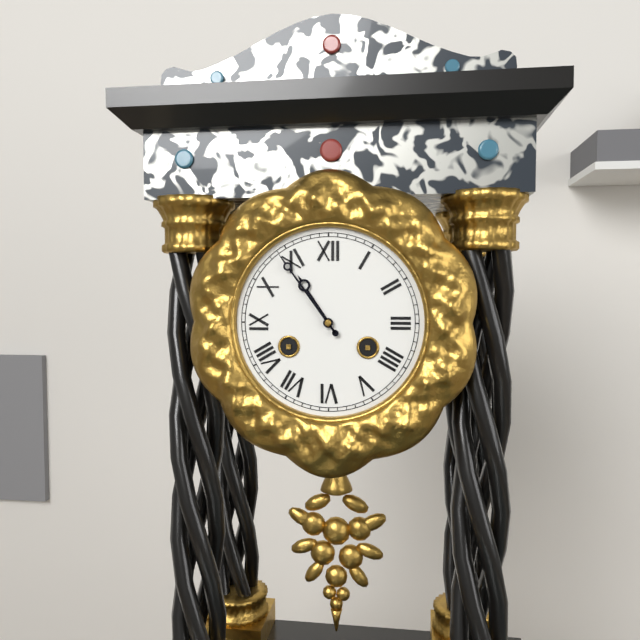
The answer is 10:54
